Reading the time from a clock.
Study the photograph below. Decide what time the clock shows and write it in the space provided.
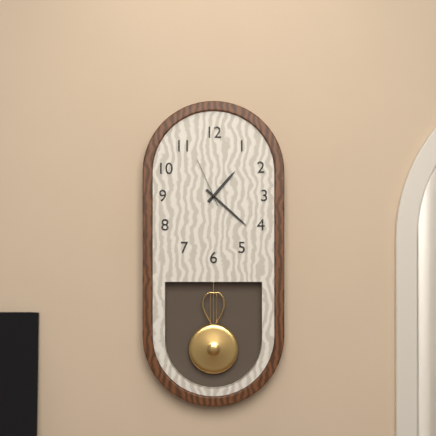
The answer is 1:22:56
